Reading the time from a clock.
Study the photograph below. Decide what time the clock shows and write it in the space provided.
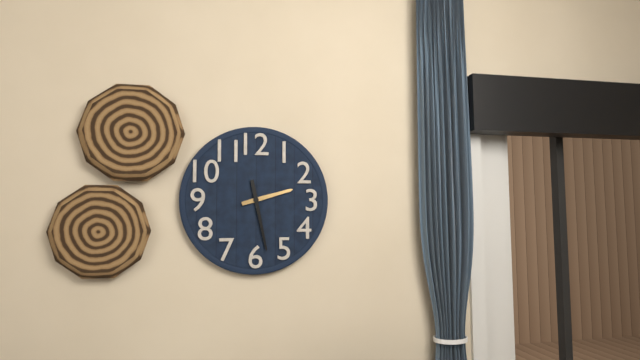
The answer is 2:28
